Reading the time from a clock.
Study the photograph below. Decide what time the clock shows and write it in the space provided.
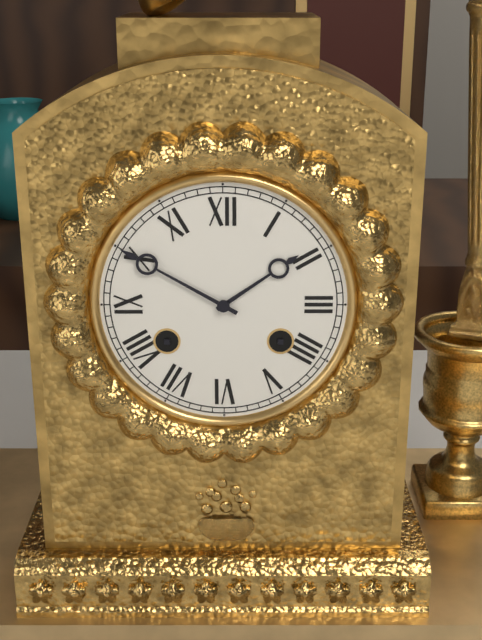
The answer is 1:50
